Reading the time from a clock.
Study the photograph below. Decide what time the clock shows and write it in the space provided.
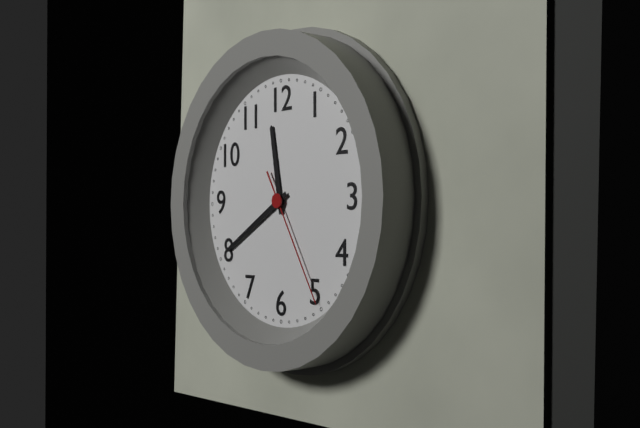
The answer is 11:40:25
